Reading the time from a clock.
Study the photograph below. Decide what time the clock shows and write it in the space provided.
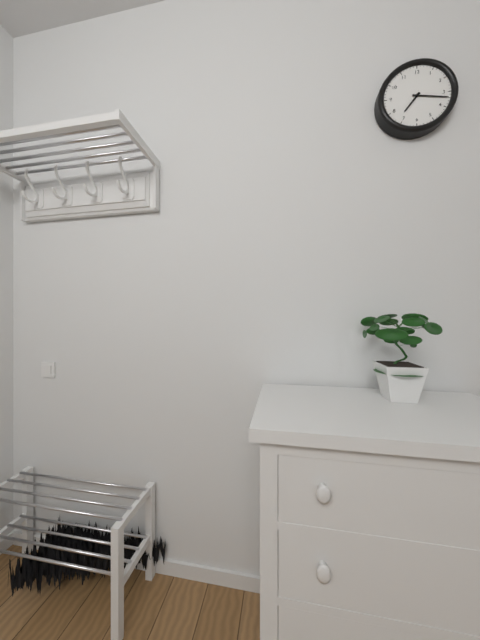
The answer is 7:17
